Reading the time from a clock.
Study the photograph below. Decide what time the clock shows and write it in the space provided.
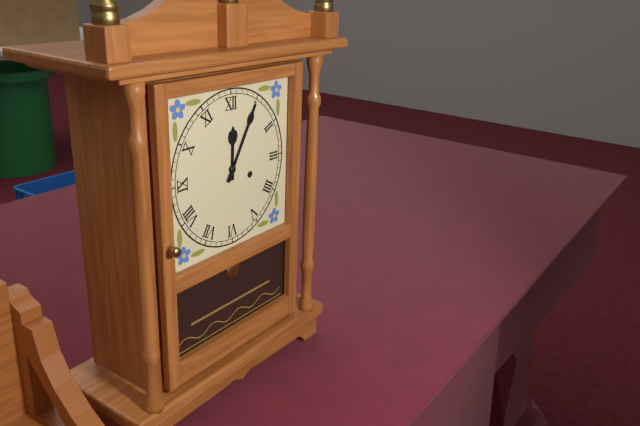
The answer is 12:05
